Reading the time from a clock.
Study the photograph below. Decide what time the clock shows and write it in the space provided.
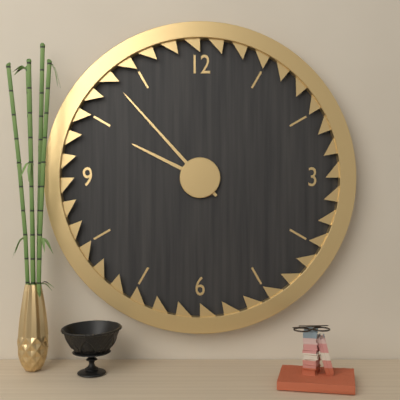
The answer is 9:53
